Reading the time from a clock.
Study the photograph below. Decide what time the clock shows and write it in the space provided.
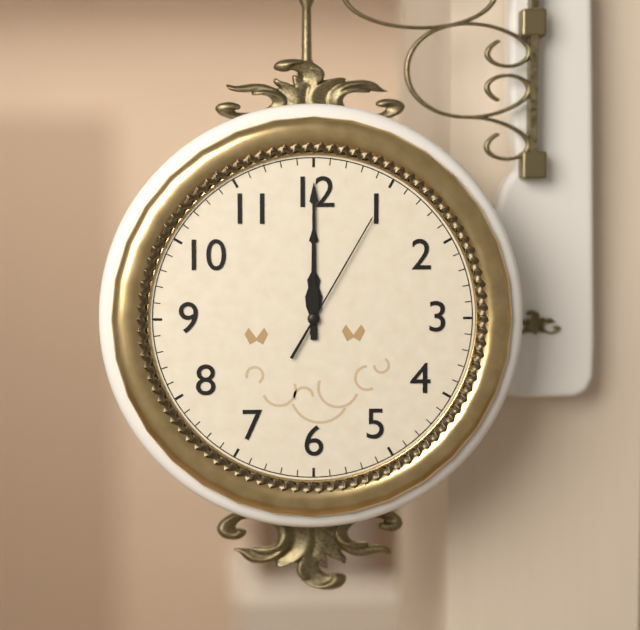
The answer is 12:00:05
